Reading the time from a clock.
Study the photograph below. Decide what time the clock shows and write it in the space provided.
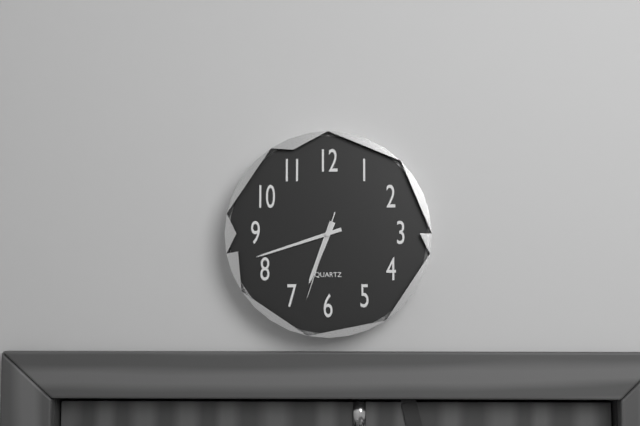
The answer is 6:42:33
